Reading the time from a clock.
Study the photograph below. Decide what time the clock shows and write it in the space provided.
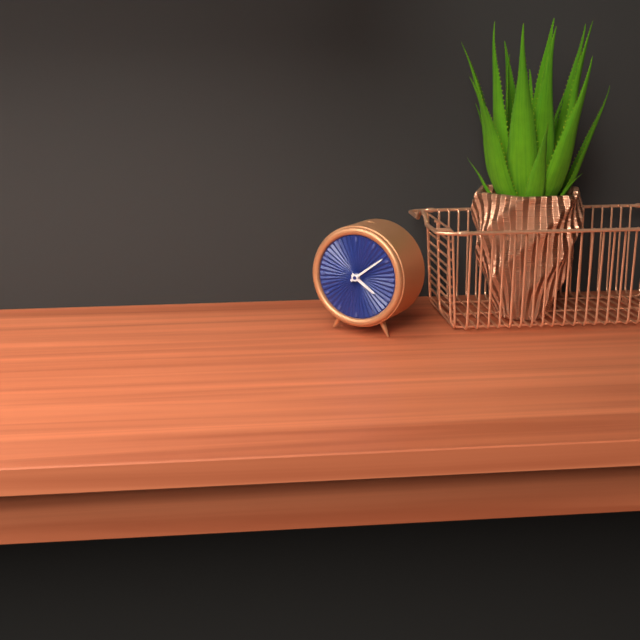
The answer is 4:09
